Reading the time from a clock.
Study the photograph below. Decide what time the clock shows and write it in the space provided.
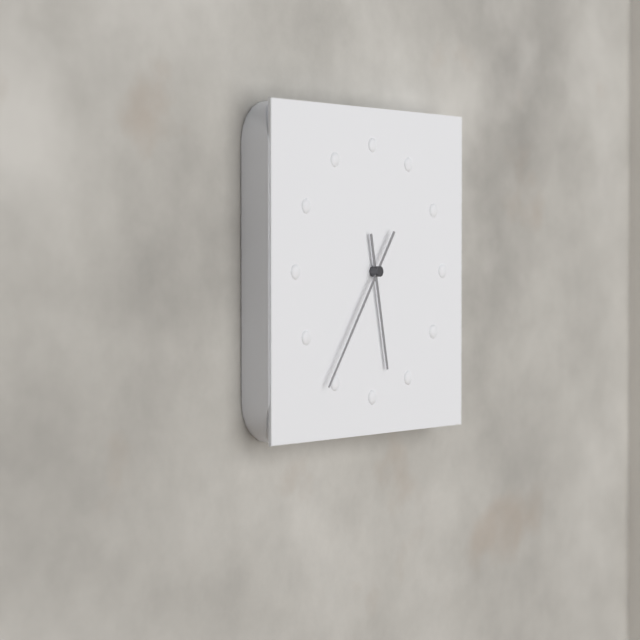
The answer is 5:36
